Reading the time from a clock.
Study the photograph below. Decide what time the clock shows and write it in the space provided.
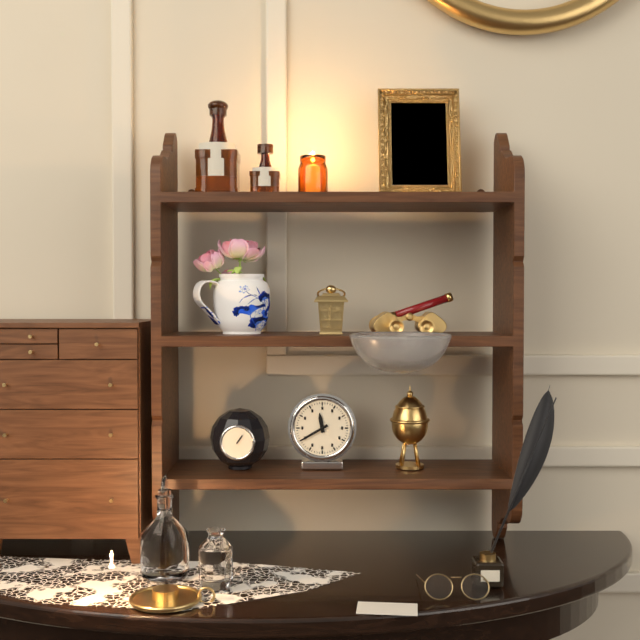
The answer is 11:40
